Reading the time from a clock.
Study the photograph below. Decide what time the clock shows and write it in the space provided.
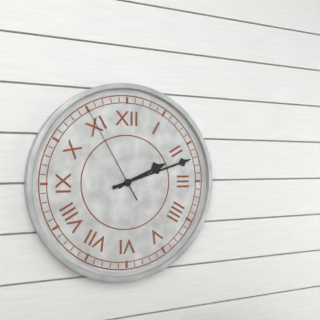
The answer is 2:12:55
